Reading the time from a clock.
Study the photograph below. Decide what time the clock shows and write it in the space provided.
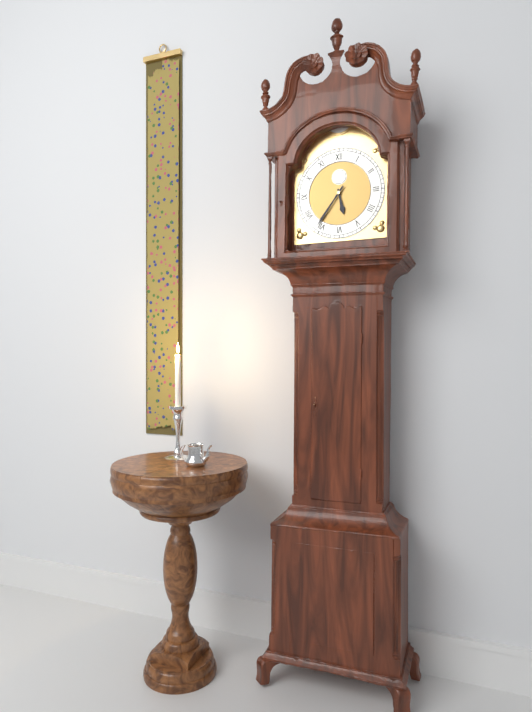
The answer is 5:36
